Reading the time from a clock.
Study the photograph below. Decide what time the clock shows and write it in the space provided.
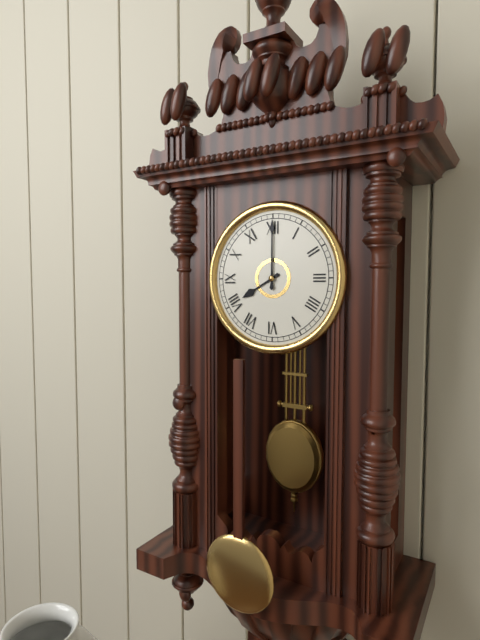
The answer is 8:00
